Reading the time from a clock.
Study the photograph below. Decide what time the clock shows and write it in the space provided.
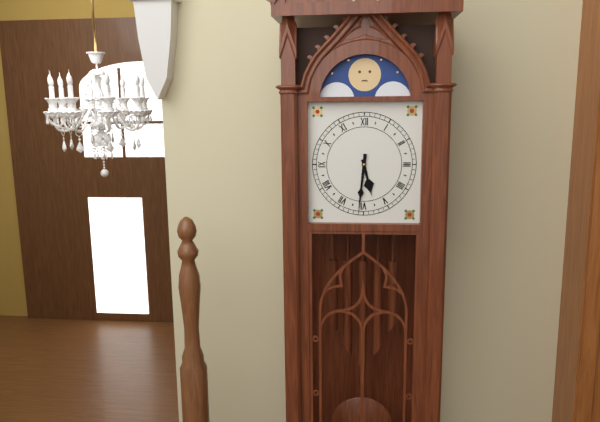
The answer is 5:31
